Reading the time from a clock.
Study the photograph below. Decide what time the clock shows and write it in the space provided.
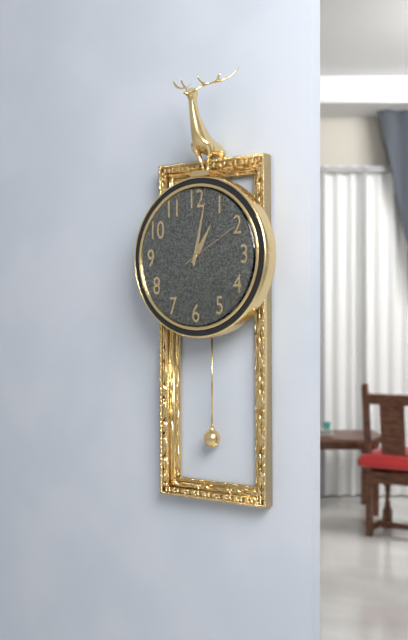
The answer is 1:02:10
